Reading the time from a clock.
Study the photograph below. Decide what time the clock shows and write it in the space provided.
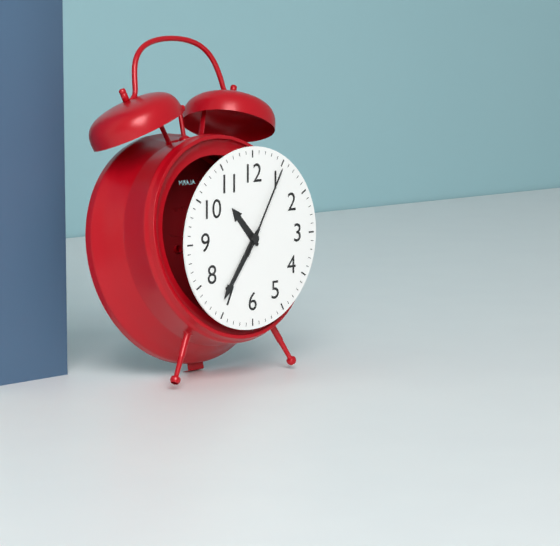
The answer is 10:36:05
